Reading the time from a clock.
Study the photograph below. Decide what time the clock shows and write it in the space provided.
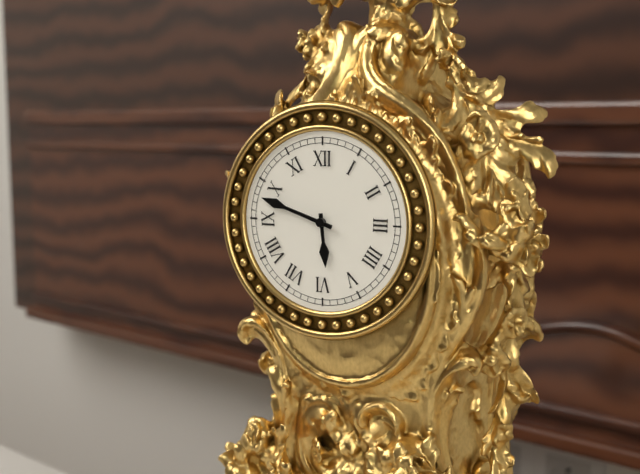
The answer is 5:48
